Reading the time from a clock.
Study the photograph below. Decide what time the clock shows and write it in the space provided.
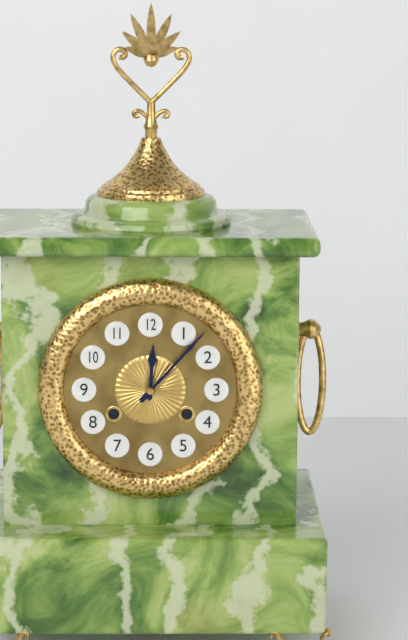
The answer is 12:07
